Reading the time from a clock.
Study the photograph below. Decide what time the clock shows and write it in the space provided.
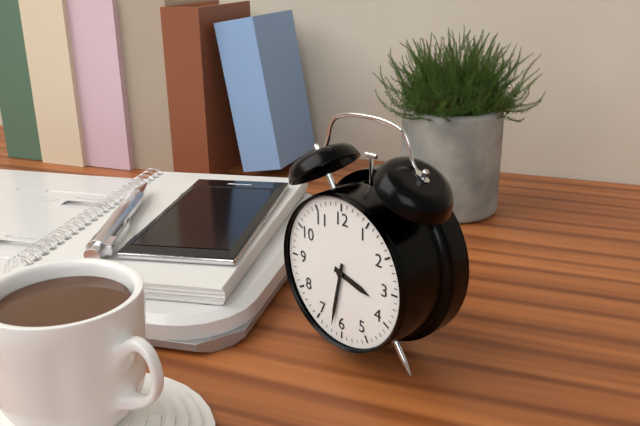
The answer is 3:32
